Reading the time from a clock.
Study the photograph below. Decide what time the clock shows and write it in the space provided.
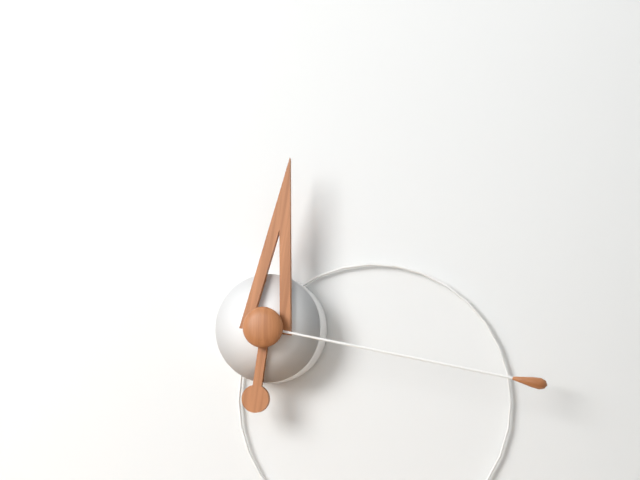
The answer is 12:17
